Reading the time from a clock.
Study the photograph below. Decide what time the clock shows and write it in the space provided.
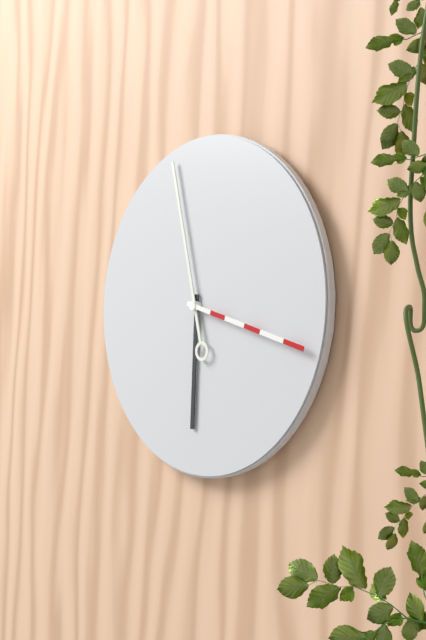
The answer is 5:57:17
